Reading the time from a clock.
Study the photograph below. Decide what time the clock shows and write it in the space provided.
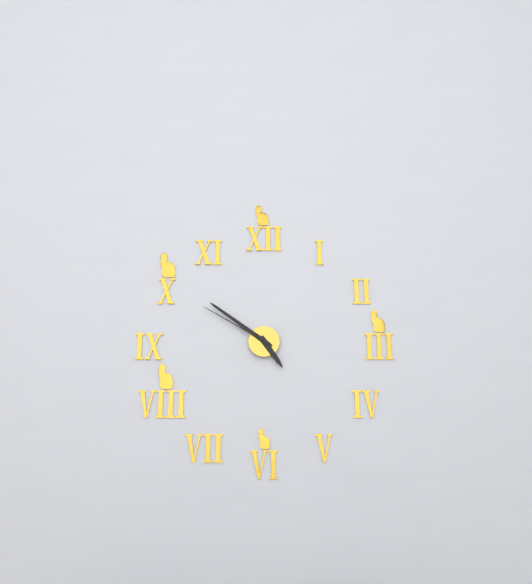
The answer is 4:51:50
